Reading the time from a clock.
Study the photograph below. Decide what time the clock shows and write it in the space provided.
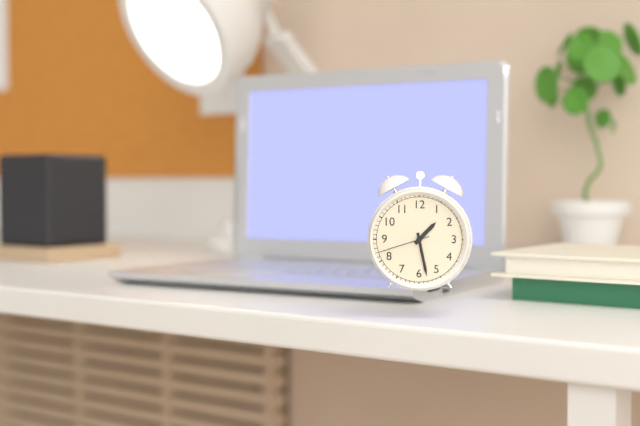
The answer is 1:28:42
